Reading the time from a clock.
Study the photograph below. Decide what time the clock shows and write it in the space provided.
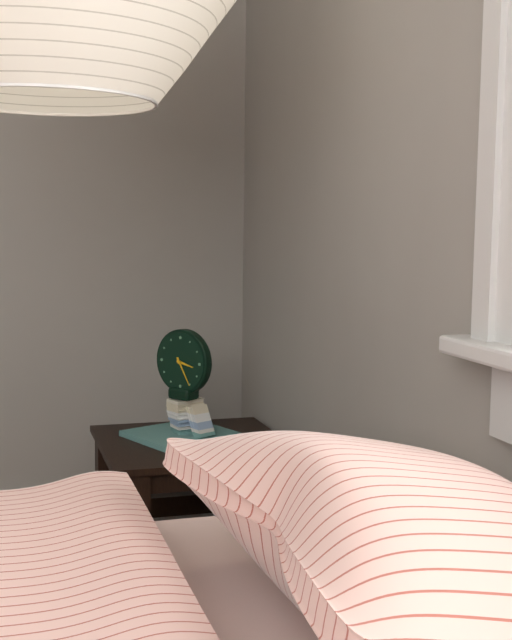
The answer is 3:25
